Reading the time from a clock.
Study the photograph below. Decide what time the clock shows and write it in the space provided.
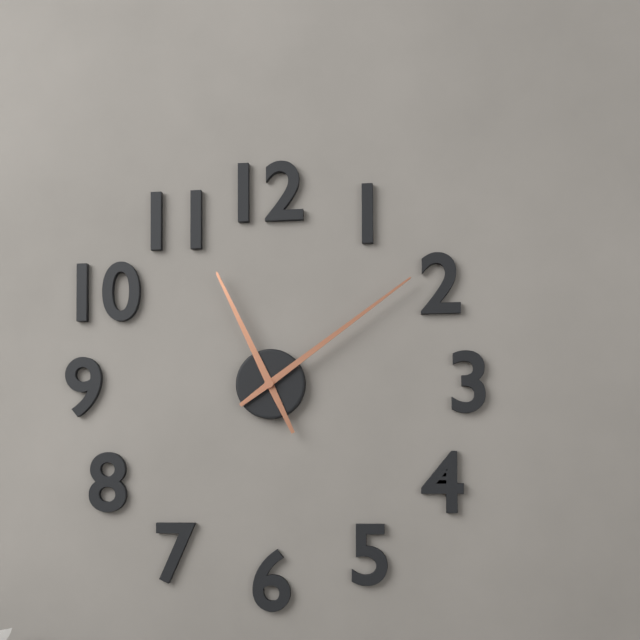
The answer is 11:09
